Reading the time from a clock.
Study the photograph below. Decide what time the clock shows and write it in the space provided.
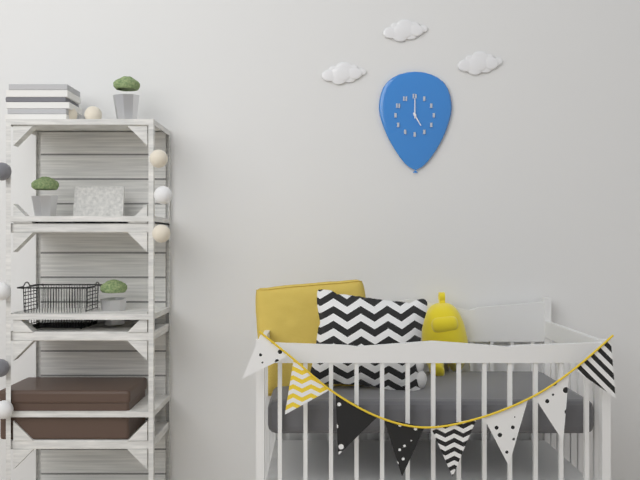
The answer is 5:00
